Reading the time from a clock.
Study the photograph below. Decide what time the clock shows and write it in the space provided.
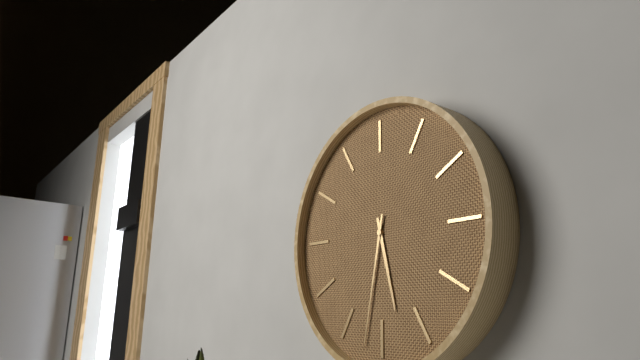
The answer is 5:32
